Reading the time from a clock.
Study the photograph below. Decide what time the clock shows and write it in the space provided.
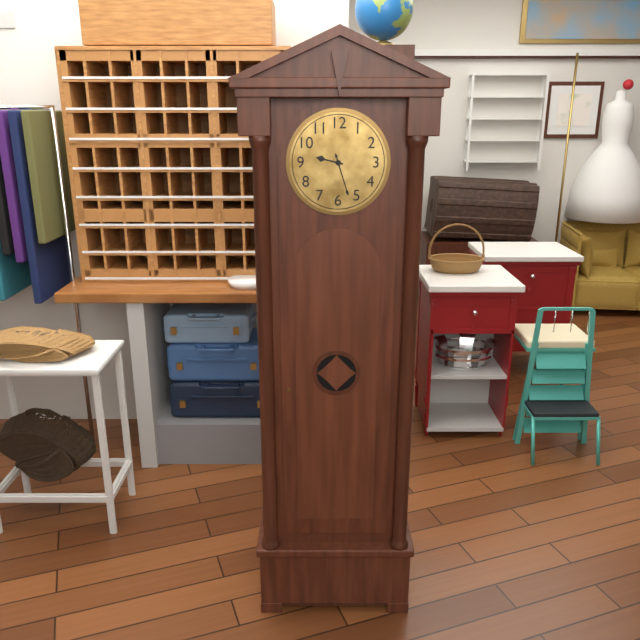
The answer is 9:27
